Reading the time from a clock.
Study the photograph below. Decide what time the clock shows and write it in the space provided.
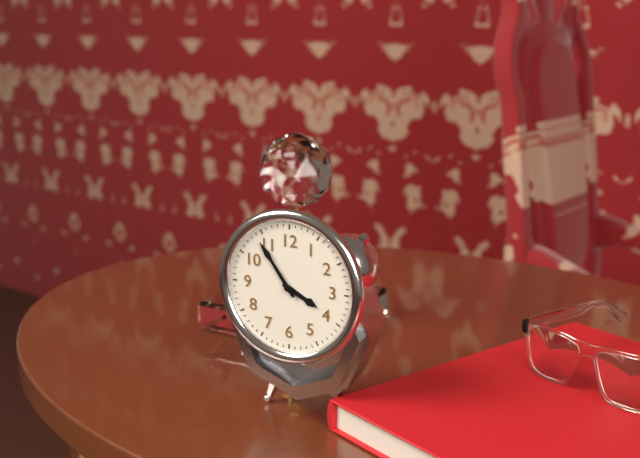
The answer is 3:54
